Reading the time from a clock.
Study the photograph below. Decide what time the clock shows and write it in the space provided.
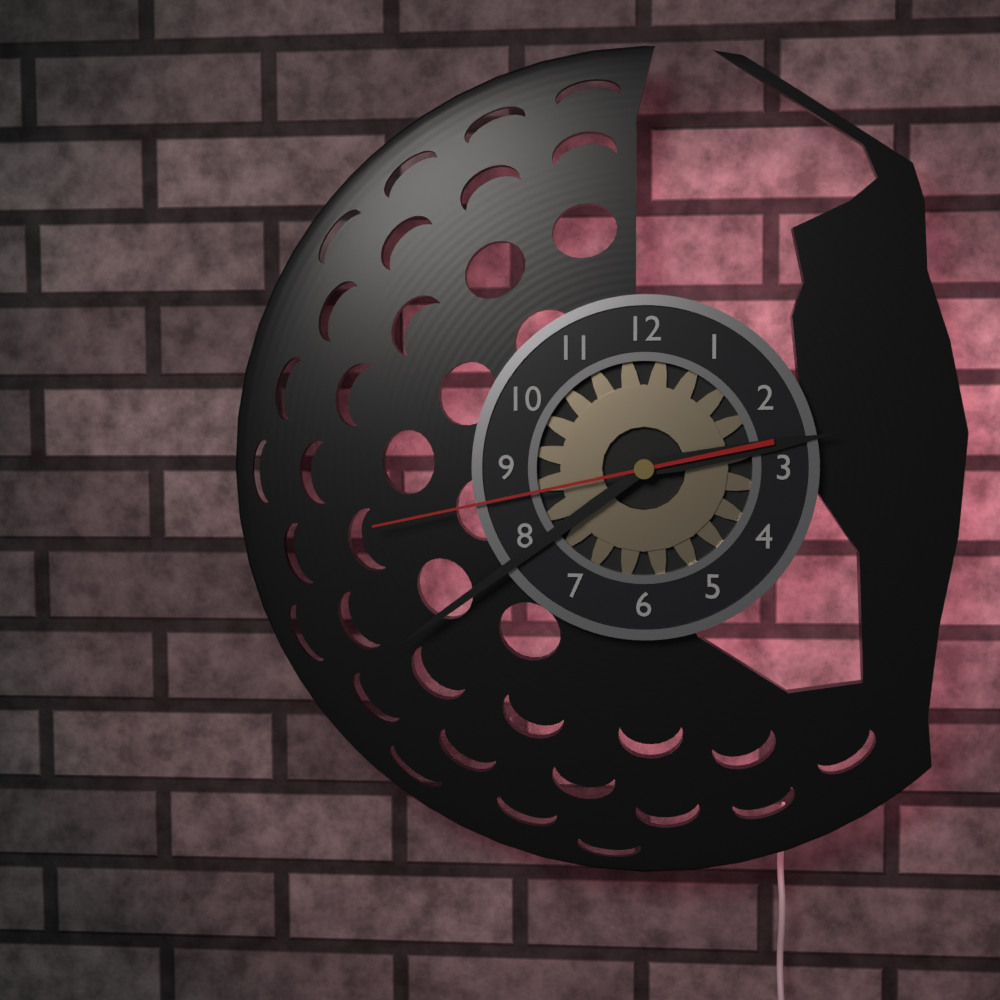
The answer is 2:39:43
